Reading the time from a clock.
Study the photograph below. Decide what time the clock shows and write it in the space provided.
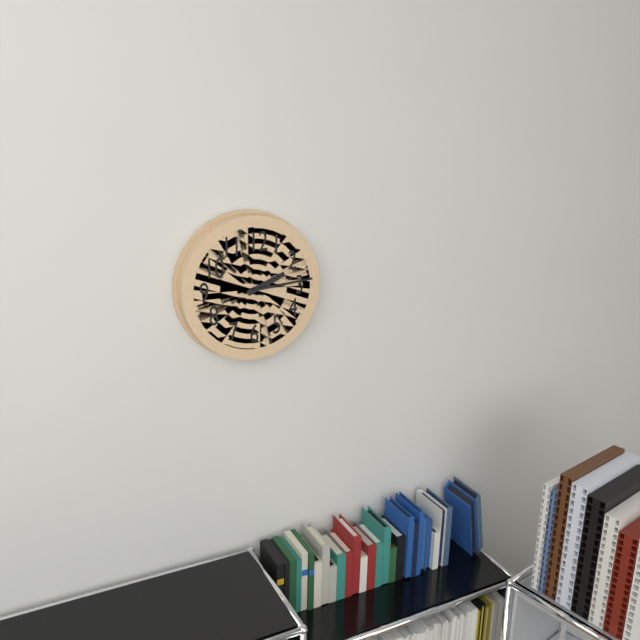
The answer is 2:14
